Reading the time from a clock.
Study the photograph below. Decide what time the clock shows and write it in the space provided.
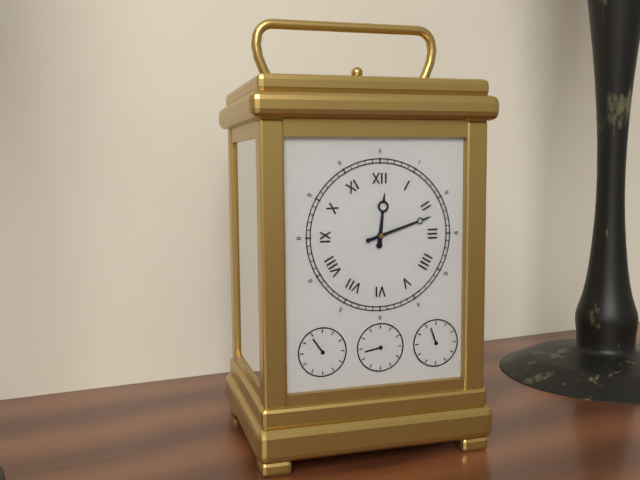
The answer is 12:12
